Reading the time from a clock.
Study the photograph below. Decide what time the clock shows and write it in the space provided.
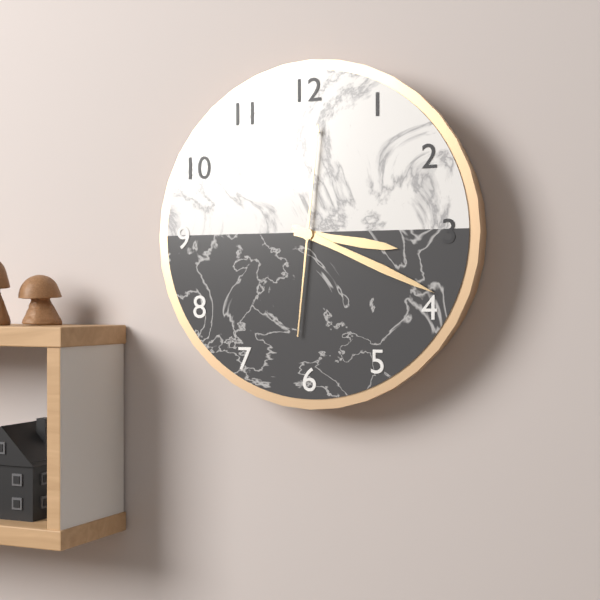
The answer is 3:19:01
